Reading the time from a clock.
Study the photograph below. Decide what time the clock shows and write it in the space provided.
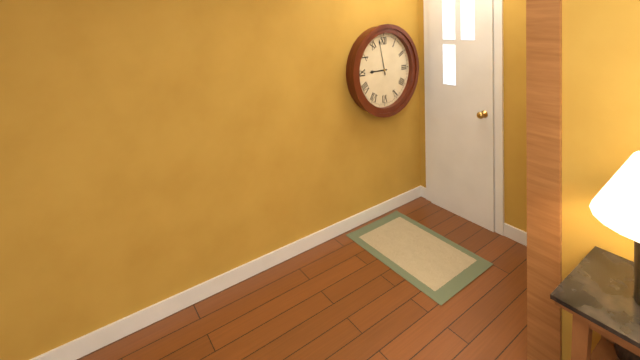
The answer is 8:58
